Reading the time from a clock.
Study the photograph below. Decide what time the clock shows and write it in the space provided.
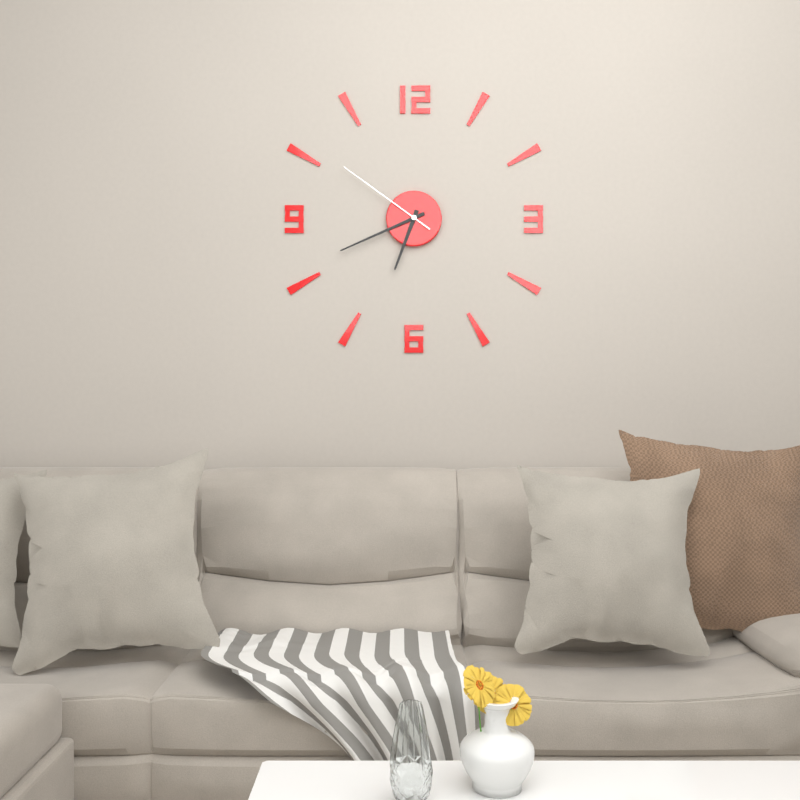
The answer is 6:41:51
